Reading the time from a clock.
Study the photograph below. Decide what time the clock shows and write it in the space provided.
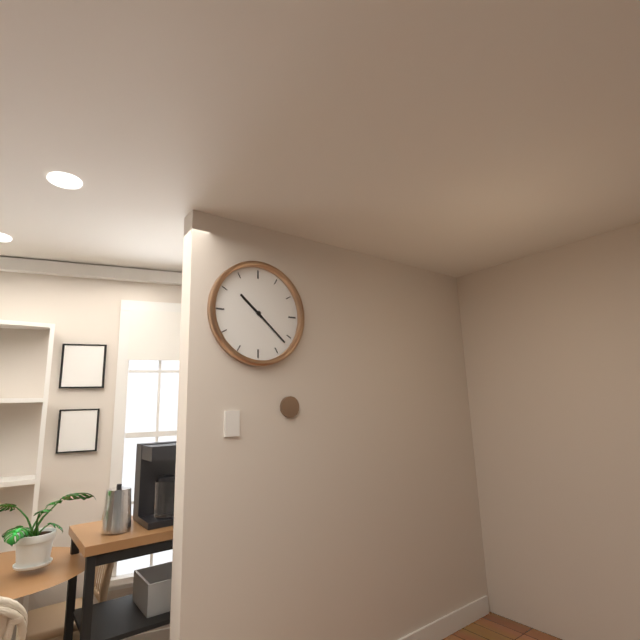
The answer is 10:22
